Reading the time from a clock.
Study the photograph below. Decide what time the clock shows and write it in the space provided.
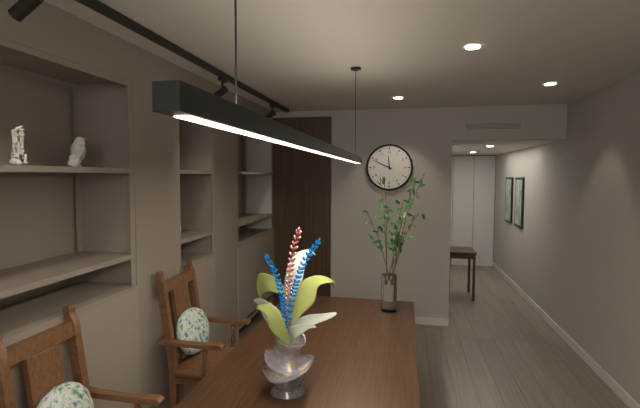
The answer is 11:49
